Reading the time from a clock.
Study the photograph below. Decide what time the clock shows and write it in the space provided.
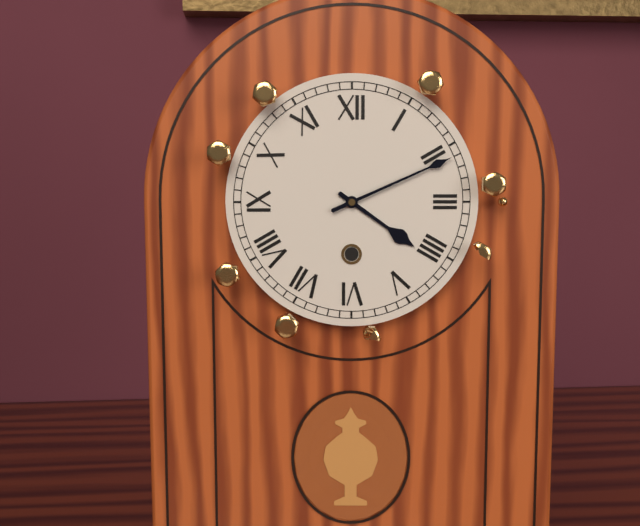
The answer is 4:11
